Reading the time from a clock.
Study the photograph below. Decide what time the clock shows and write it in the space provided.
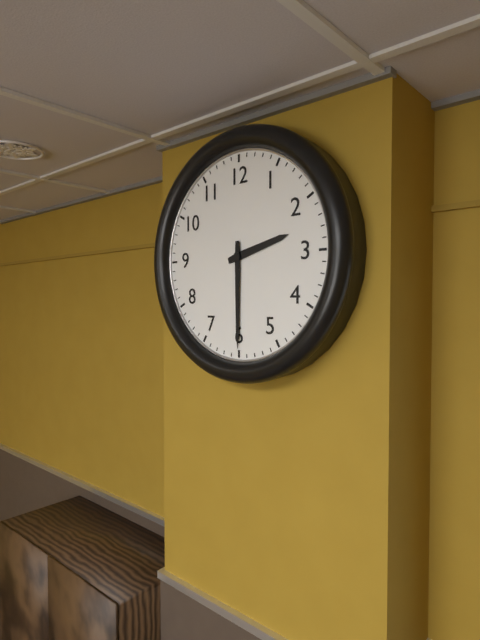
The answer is 2:30
